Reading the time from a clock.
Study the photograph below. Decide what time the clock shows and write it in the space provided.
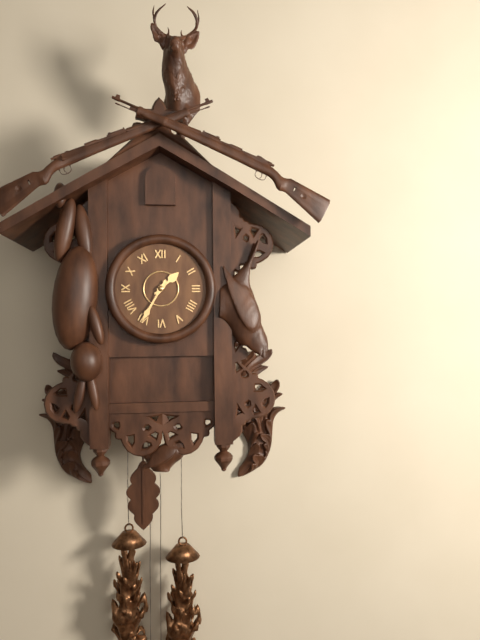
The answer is 1:35
